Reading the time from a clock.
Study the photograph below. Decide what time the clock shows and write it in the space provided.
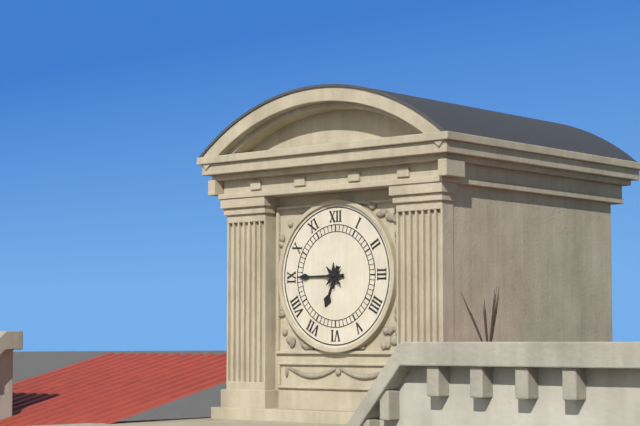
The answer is 6:45
